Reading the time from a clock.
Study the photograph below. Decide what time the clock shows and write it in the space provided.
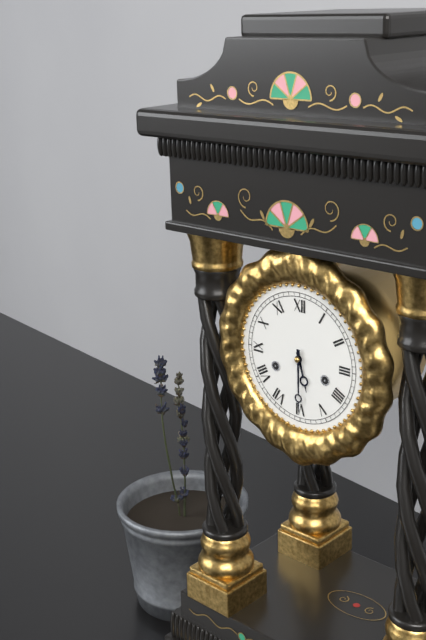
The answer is 5:30
